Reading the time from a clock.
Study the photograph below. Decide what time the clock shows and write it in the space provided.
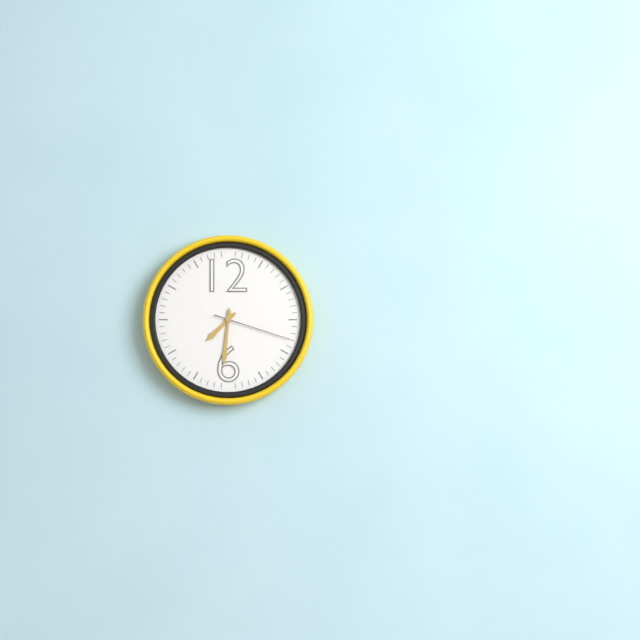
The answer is 7:31:18
